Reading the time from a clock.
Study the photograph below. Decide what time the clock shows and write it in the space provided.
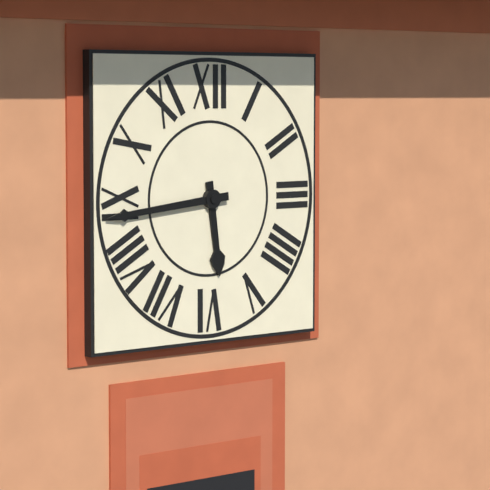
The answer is 5:44
